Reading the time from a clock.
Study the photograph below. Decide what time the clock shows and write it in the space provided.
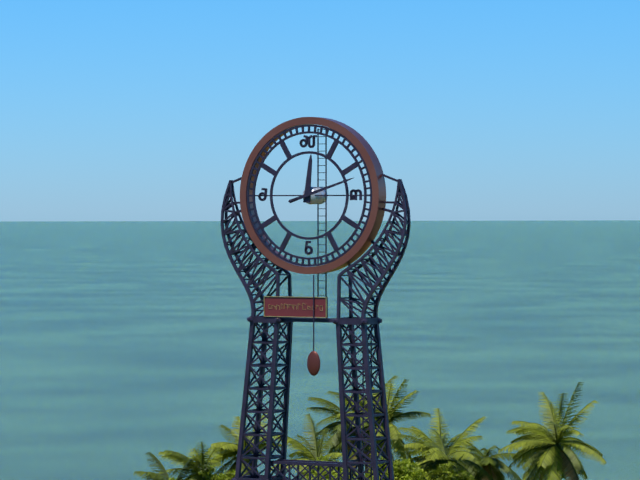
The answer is 12:12
